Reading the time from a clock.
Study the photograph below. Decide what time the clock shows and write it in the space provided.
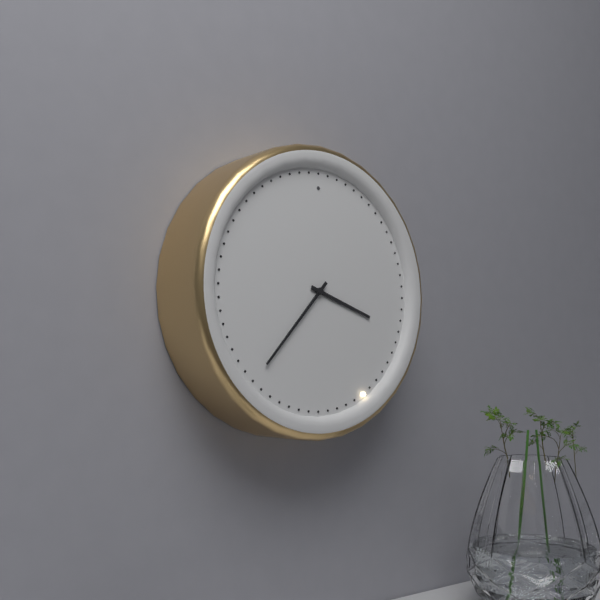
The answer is 3:37
